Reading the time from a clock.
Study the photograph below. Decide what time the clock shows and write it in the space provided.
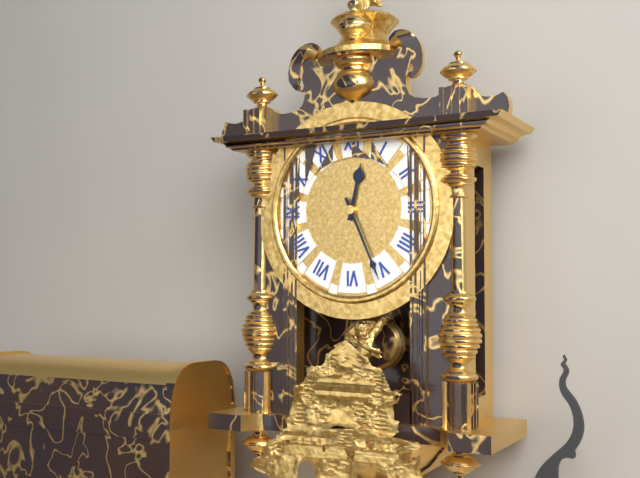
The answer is 12:26
